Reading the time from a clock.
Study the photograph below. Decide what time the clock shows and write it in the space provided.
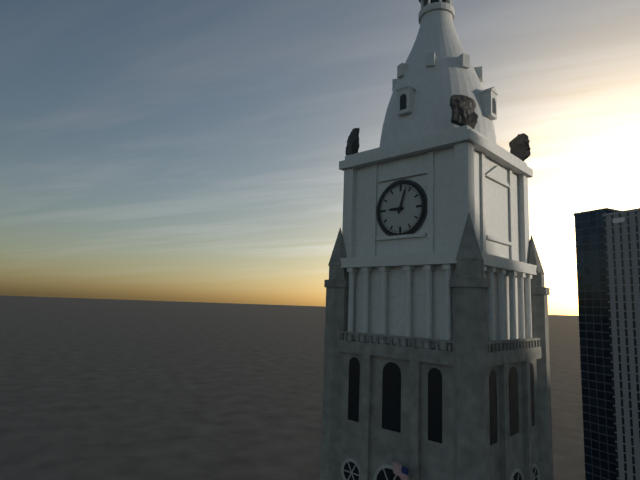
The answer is 9:03
